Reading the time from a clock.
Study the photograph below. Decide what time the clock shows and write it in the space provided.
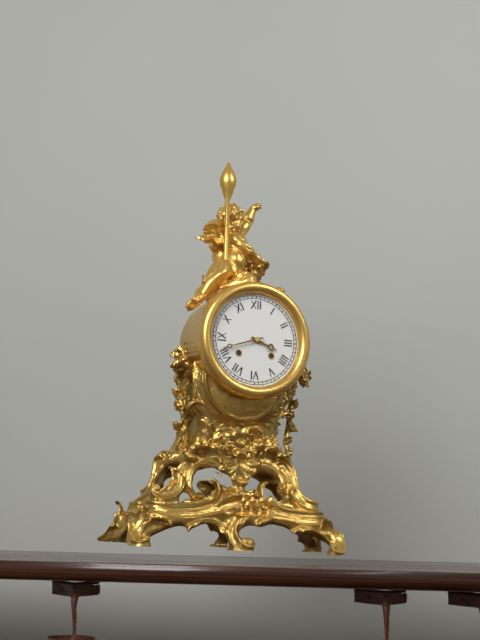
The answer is 3:42
